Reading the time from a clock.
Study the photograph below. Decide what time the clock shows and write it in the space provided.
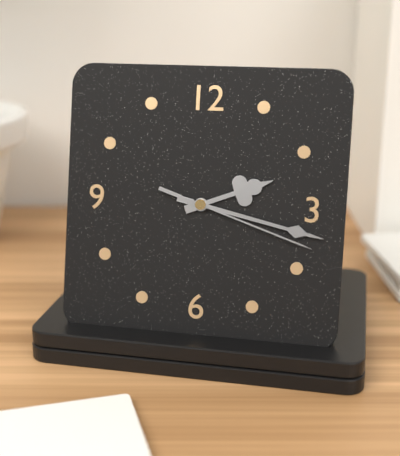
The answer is 2:17:18
